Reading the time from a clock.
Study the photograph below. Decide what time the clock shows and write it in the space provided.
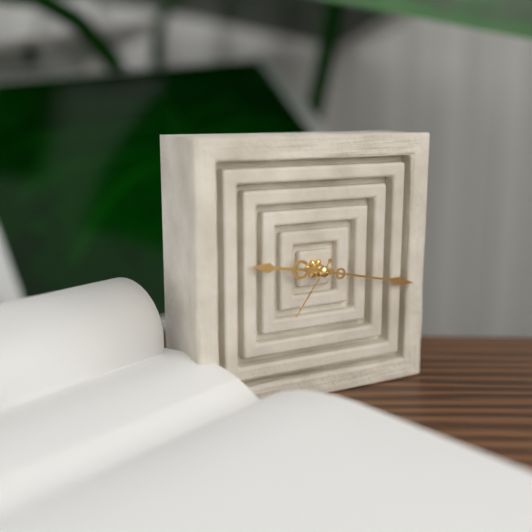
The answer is 9:17:36
